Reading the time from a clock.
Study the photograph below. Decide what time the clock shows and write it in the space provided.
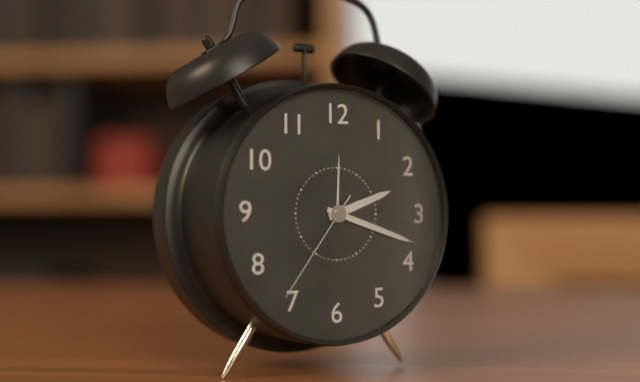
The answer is 2:18:36
